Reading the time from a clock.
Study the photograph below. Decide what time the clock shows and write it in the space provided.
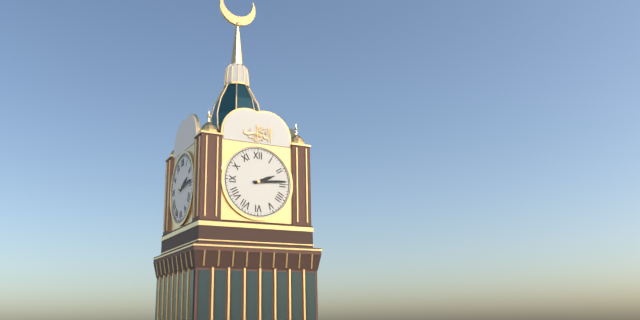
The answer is 2:14
